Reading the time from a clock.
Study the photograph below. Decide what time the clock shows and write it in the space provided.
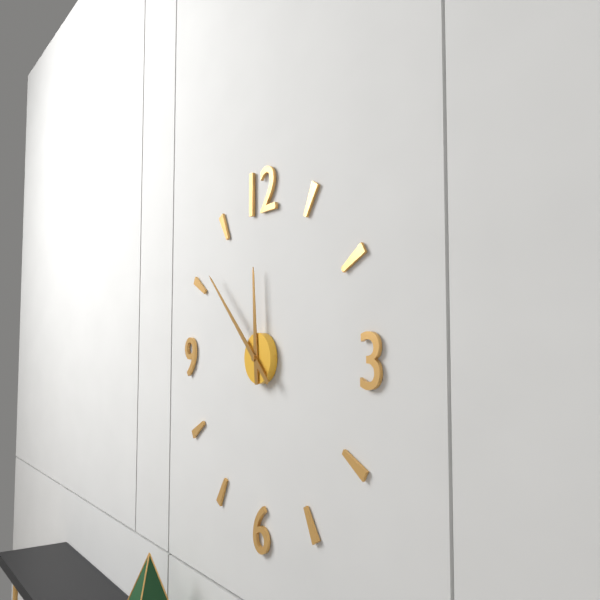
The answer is 11:52
